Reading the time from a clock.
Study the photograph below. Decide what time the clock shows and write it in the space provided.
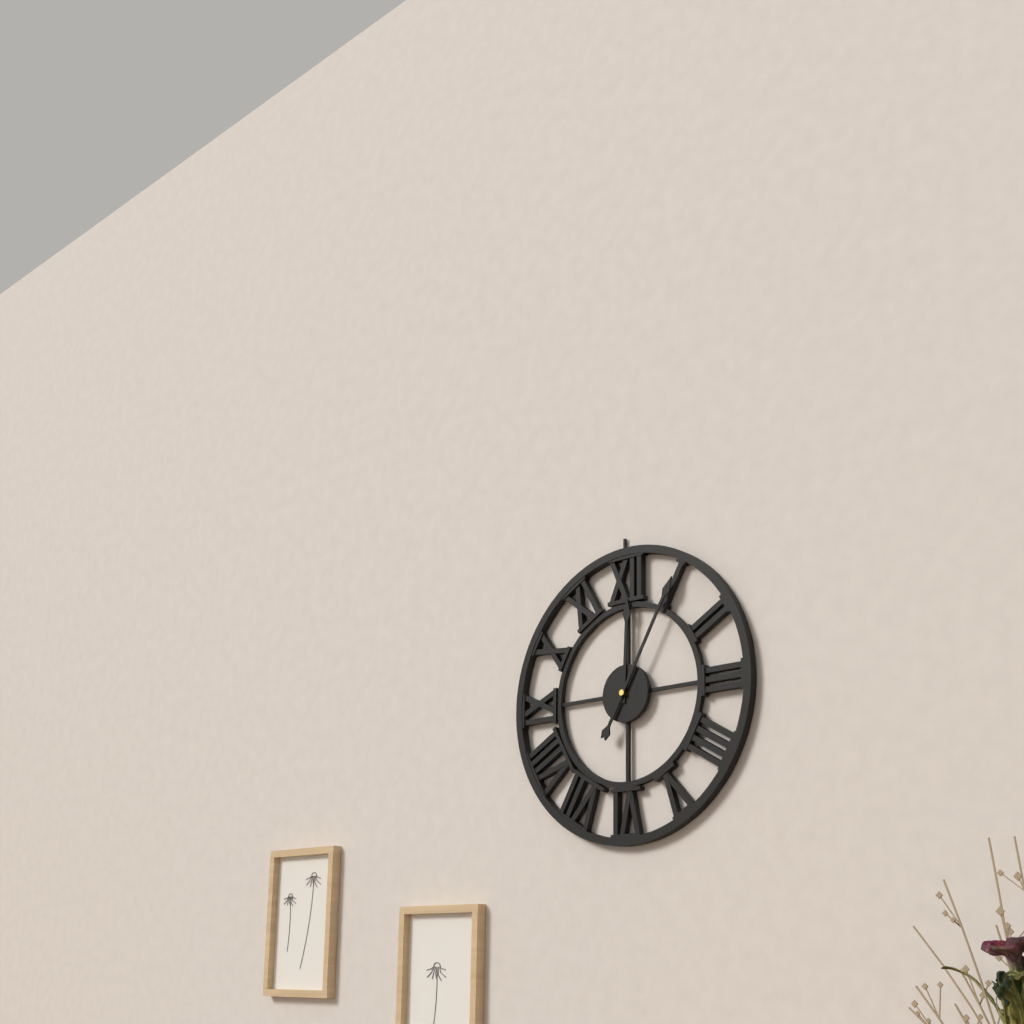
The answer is 12:05
